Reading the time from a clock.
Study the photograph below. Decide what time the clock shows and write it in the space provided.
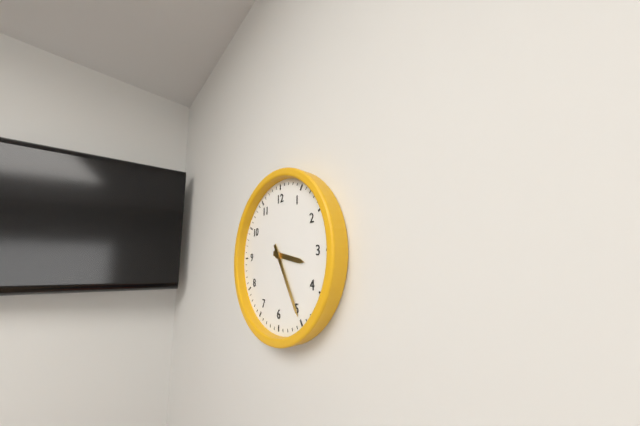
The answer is 3:25
